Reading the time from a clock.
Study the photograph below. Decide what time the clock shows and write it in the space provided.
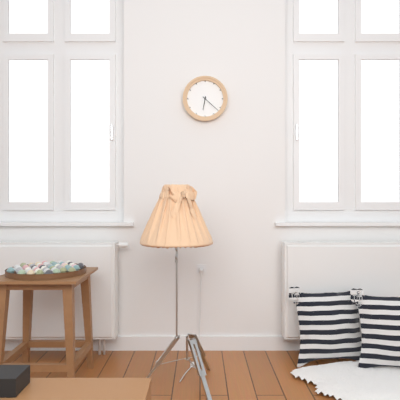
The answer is 6:22
